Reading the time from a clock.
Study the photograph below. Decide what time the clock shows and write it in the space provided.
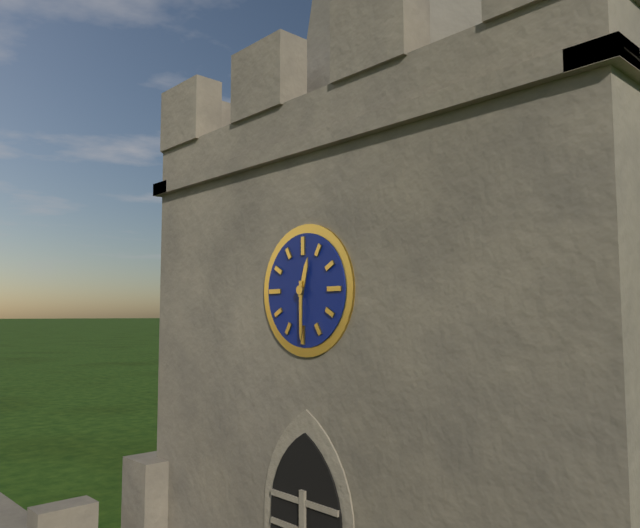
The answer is 12:30
